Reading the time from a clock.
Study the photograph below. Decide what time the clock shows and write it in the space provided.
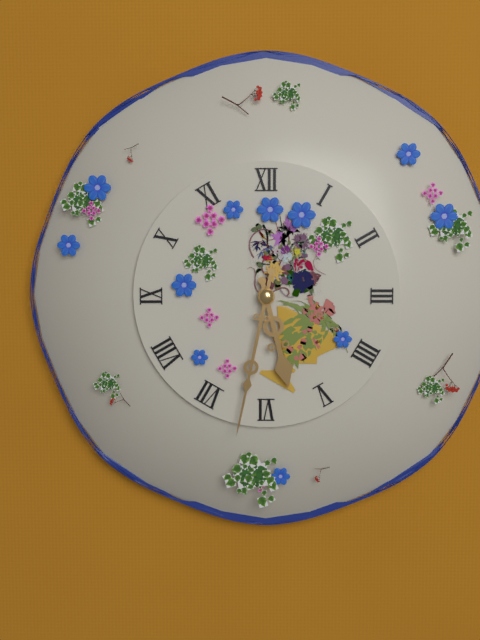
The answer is 5:32
